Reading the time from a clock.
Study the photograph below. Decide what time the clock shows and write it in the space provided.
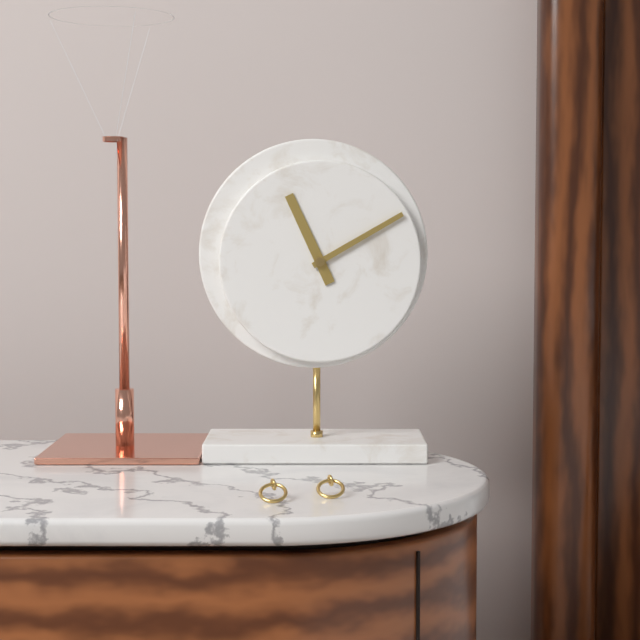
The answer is 11:10
